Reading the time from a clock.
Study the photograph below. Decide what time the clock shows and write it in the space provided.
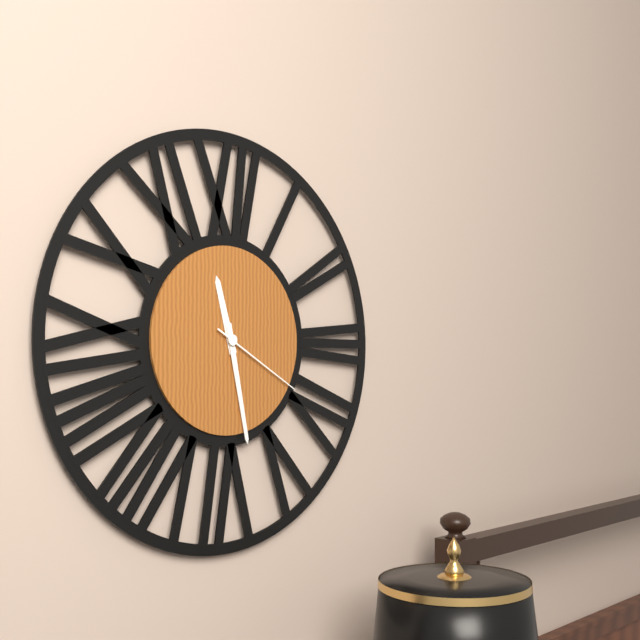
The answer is 11:28:20
